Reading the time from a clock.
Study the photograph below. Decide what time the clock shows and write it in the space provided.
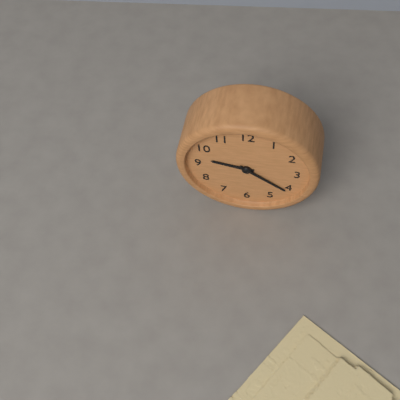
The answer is 9:21
